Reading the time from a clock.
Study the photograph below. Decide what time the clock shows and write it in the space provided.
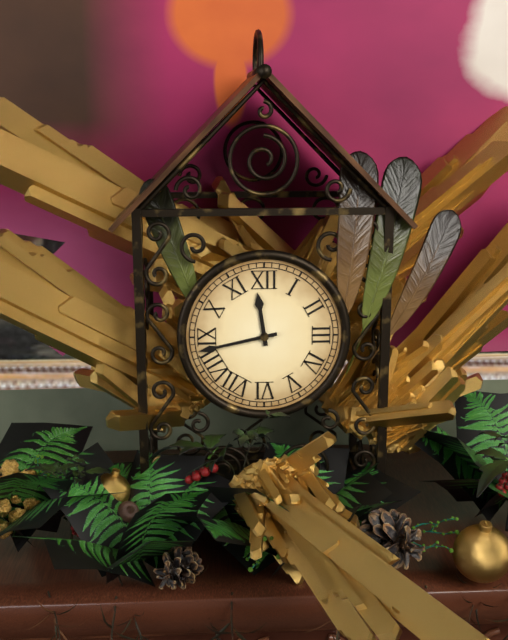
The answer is 11:43
